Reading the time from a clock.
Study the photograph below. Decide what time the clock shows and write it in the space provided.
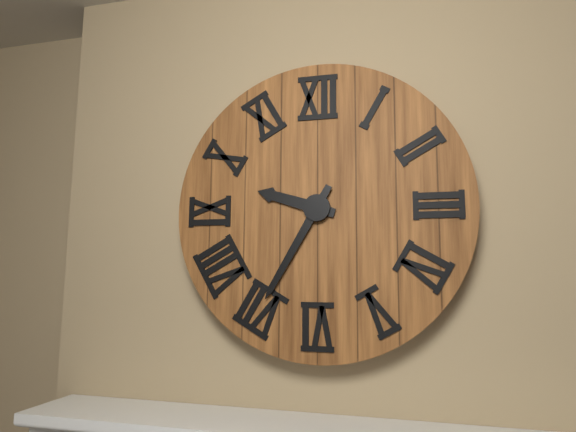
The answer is 9:35
